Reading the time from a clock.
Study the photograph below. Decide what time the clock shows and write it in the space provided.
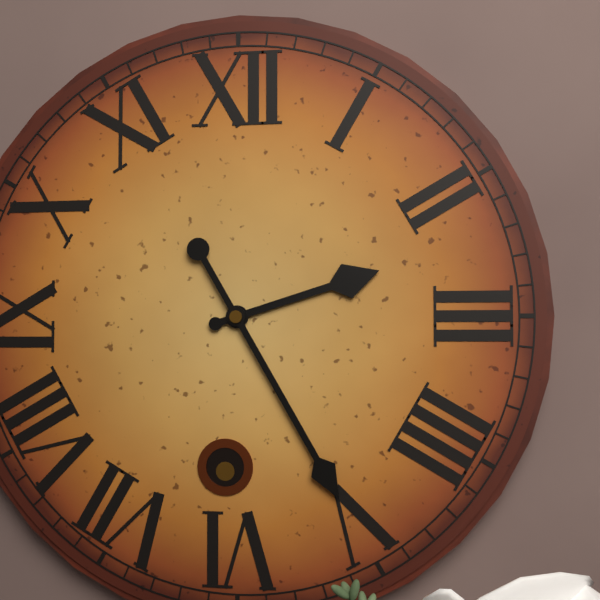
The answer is 2:25
